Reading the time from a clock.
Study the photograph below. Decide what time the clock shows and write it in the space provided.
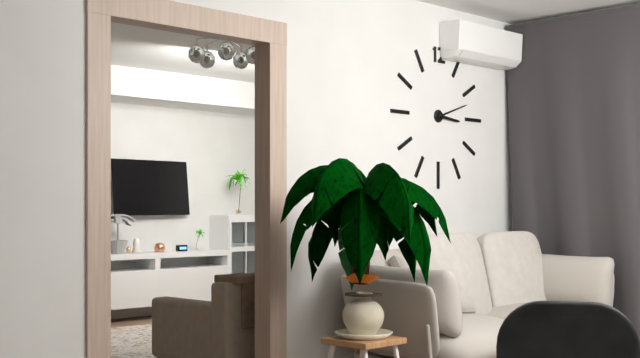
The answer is 3:12
